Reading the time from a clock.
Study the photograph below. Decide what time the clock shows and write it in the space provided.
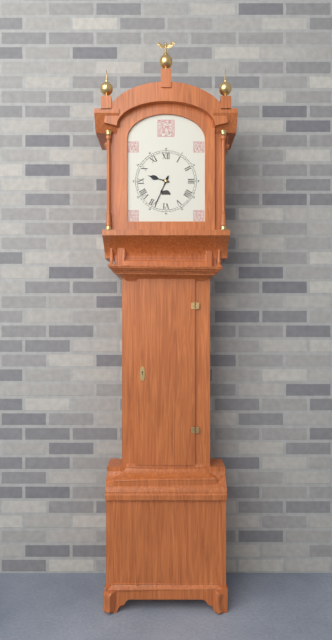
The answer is 9:34
